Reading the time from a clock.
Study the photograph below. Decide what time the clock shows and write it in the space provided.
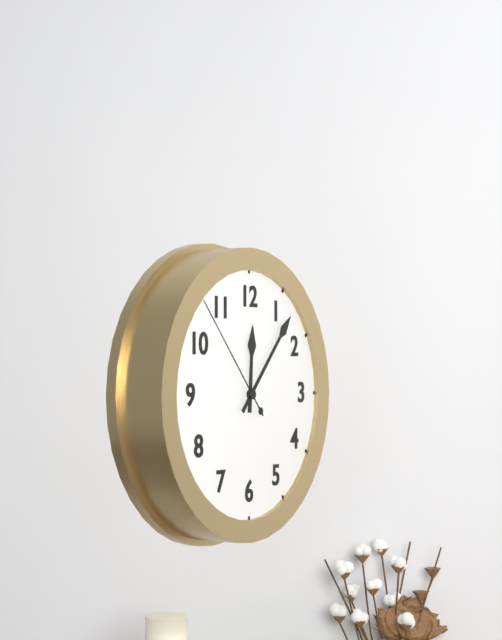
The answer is 12:07:53
